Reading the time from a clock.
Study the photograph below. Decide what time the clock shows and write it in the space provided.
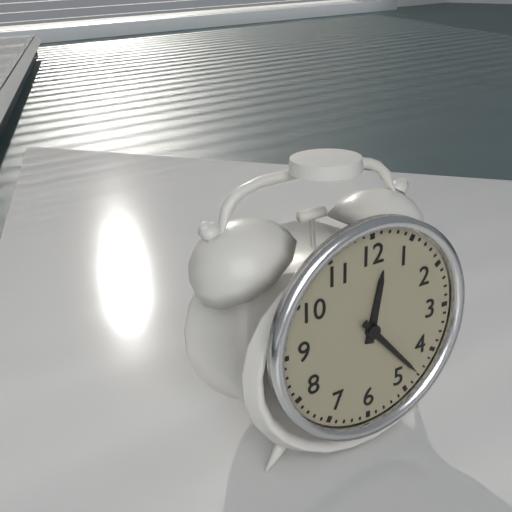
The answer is 12:23
